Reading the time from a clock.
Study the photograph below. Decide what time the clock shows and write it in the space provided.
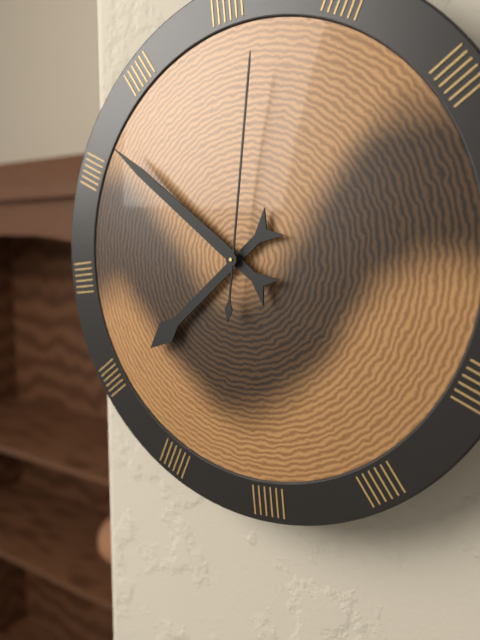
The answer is 7:52:02
